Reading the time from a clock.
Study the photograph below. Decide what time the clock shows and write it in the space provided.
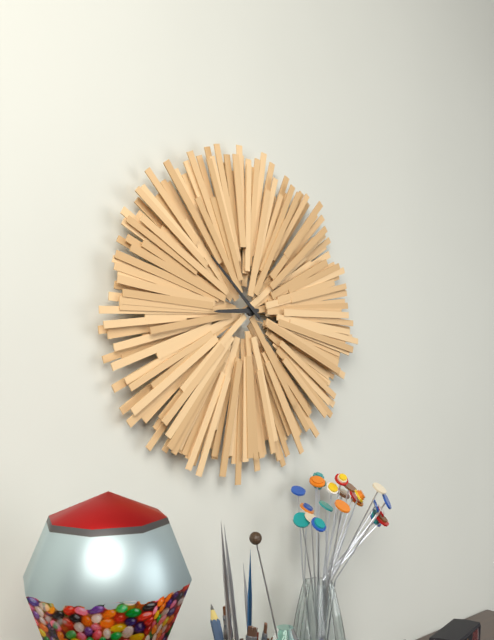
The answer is 8:52
